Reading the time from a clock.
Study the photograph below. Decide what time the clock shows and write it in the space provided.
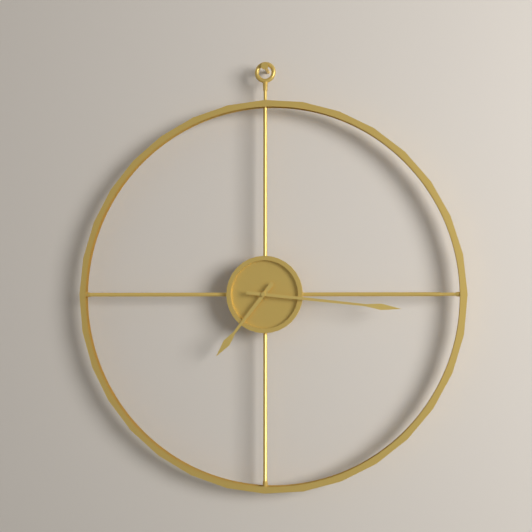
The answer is 7:16
